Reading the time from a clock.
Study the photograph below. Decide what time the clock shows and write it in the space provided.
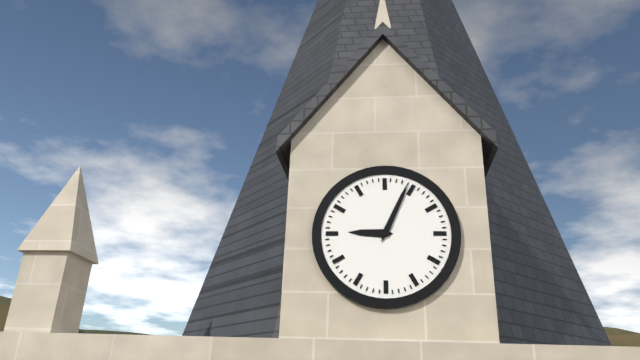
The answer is 9:04
